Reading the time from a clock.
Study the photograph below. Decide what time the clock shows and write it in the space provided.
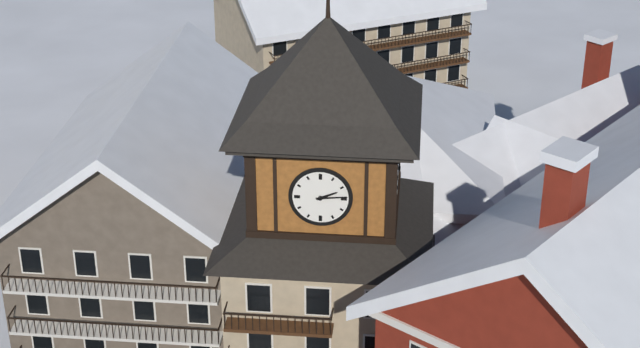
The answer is 2:14
